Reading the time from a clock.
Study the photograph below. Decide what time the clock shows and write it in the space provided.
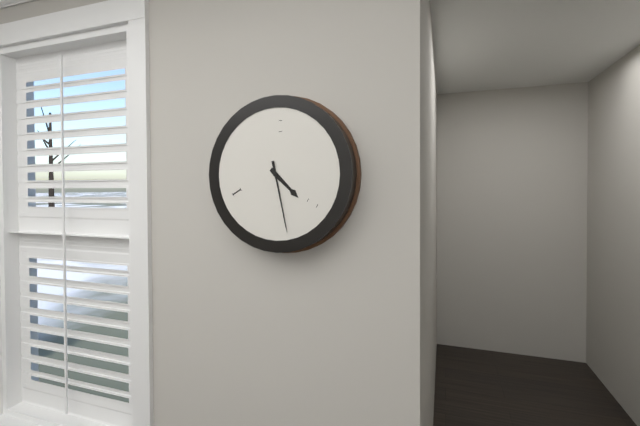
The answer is 4:28
